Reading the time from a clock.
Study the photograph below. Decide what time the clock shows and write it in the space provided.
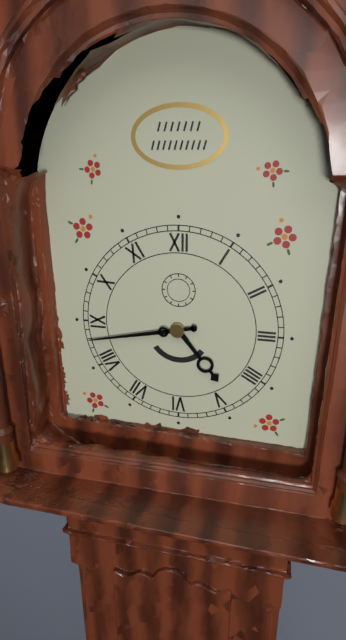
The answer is 4:43
